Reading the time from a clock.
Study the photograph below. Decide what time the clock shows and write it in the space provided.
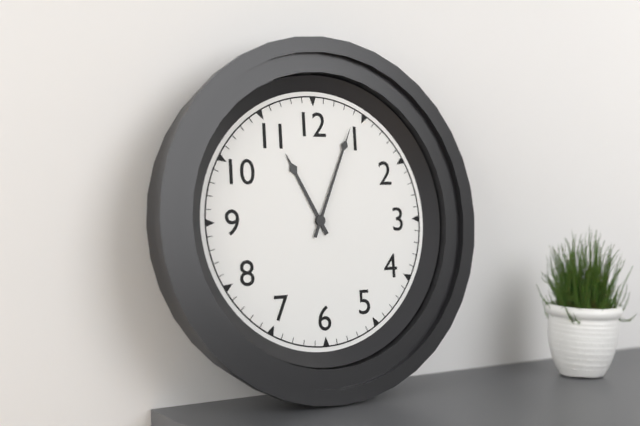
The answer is 11:04
